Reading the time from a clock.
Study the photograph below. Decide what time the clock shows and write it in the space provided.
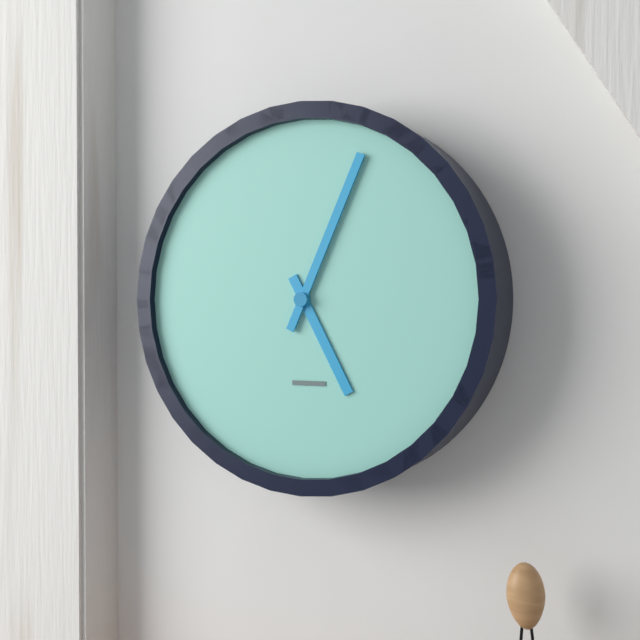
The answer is 5:04
